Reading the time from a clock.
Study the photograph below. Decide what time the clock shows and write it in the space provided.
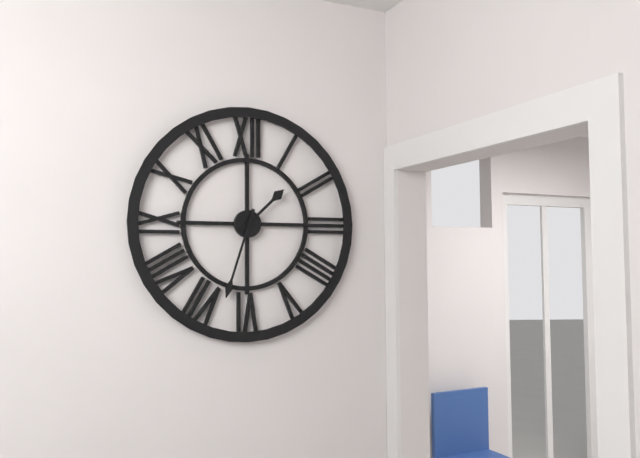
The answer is 1:33
